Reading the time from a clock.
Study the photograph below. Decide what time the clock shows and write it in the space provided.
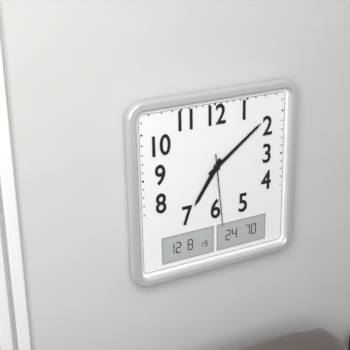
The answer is 7:09:29
